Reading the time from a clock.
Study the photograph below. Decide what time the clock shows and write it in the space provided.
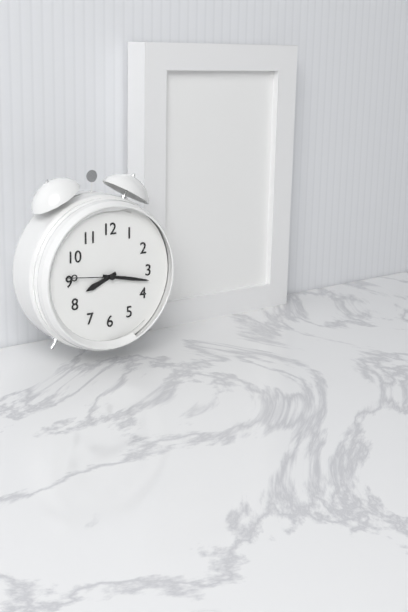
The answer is 8:17:46
